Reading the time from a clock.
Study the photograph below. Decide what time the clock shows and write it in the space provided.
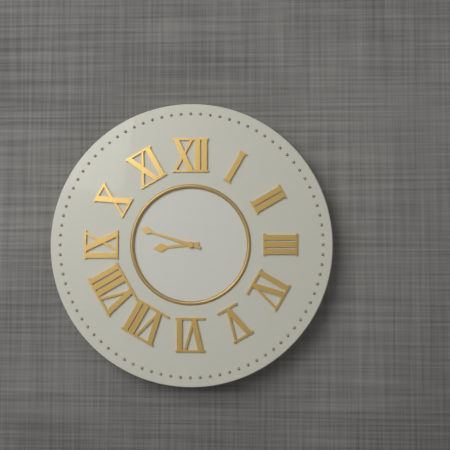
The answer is 8:48
